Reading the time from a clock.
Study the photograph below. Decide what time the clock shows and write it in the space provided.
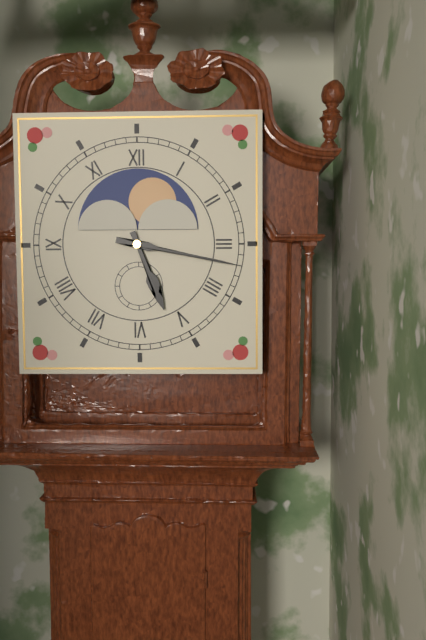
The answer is 5:17
